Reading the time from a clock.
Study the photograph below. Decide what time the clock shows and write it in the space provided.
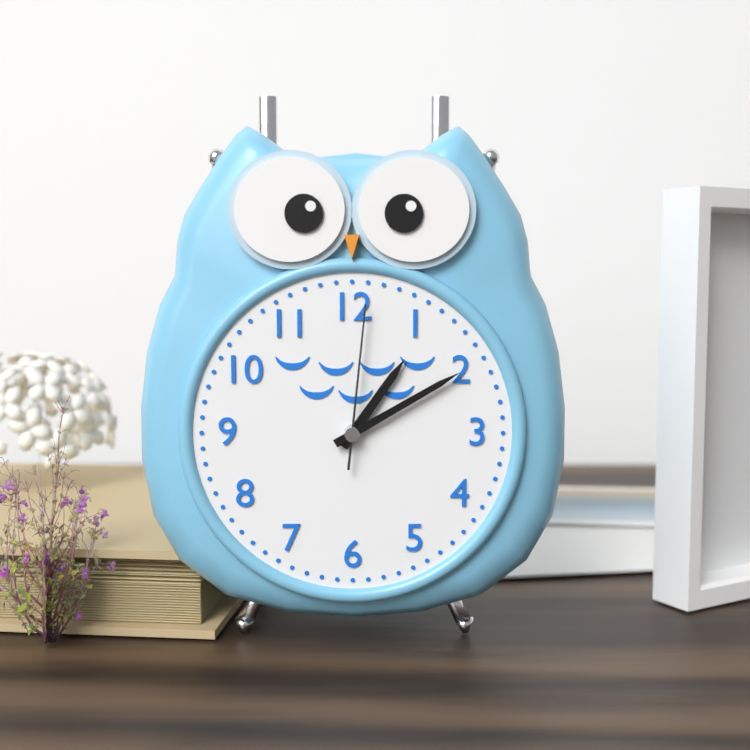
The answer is 1:10:01
